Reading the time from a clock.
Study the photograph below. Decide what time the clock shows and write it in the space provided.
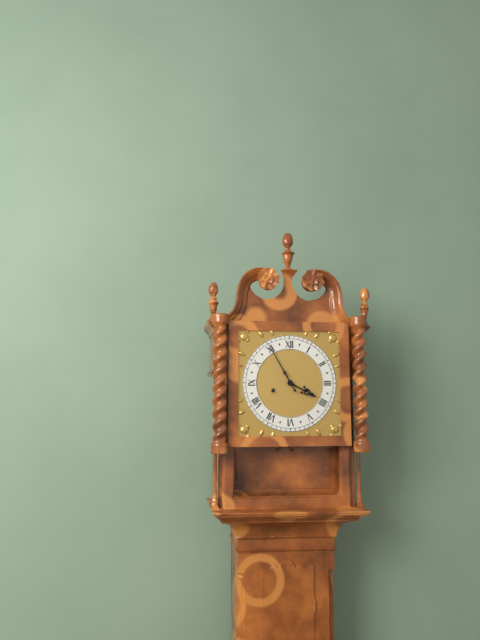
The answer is 3:55
